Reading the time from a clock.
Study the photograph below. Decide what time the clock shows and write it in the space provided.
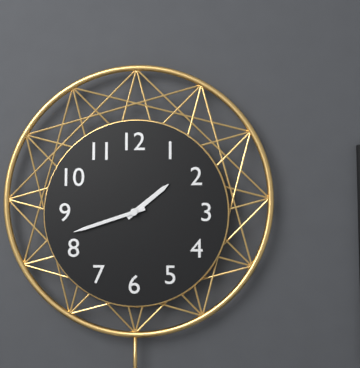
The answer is 1:42
